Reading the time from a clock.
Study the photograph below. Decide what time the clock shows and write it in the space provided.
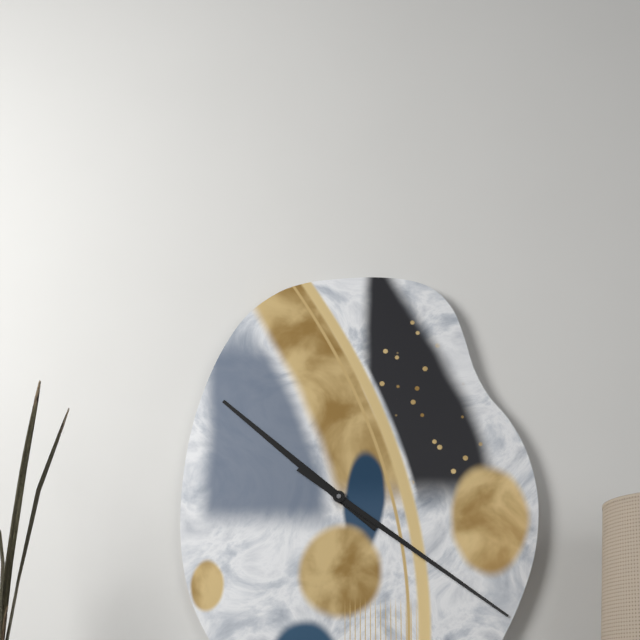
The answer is 10:21
